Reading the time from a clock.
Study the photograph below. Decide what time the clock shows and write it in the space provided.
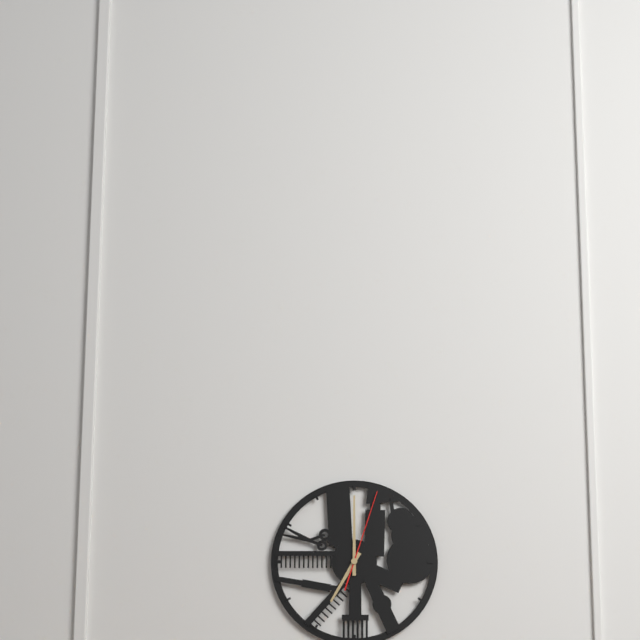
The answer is 7:00:03
